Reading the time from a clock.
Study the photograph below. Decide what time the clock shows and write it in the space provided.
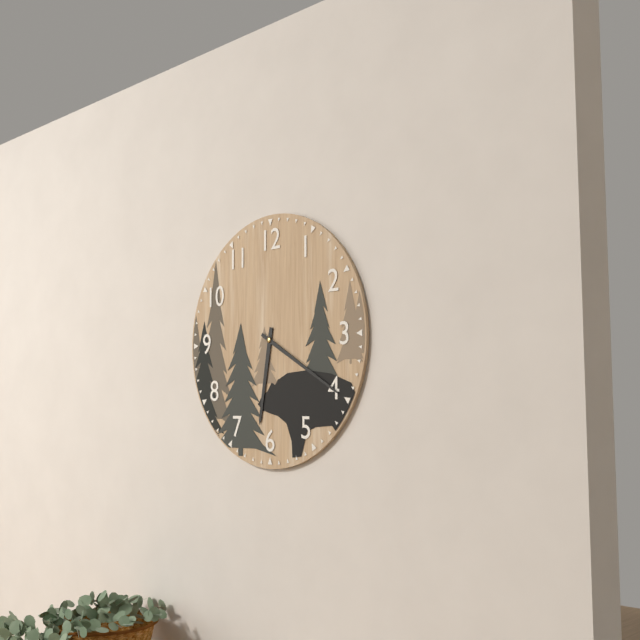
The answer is 6:20
